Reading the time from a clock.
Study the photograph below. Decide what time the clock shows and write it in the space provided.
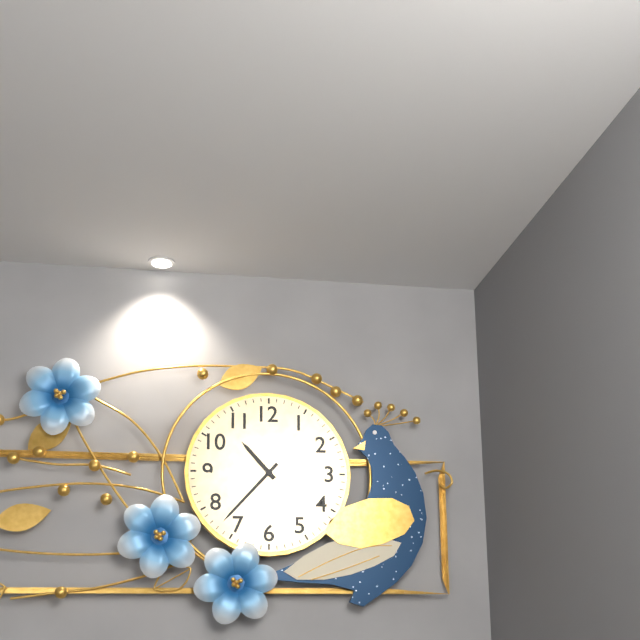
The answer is 10:37
